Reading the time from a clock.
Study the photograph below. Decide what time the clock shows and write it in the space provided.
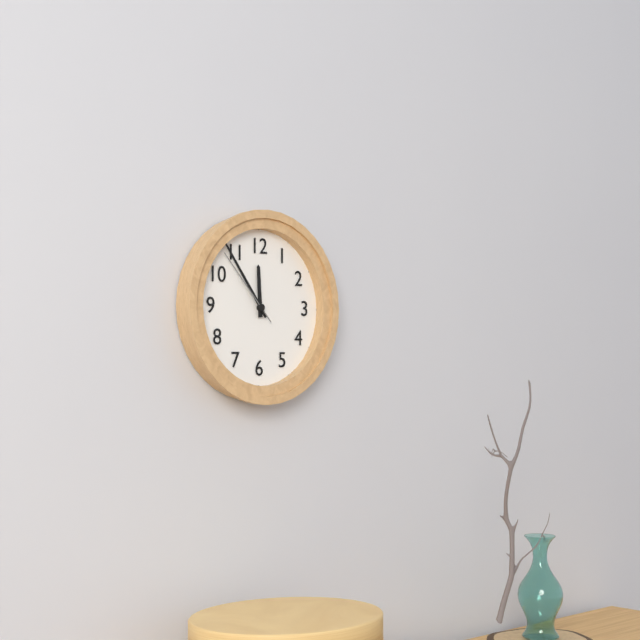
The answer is 11:54:53
